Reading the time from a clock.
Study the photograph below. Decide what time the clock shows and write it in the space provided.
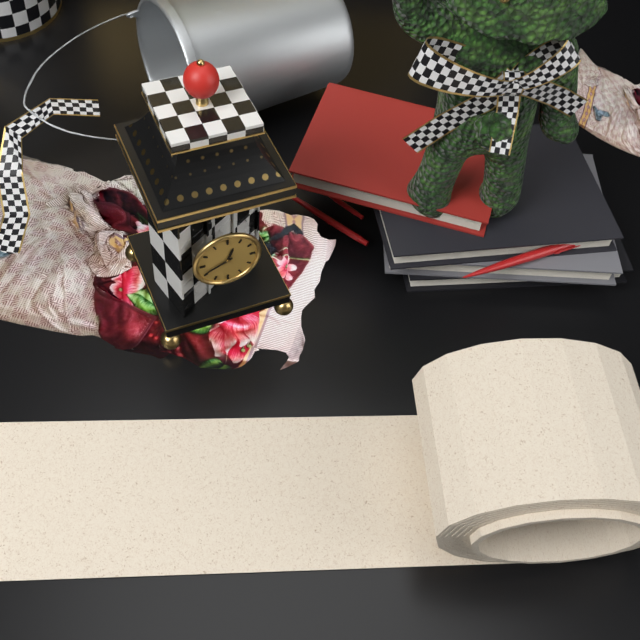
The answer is 12:41
